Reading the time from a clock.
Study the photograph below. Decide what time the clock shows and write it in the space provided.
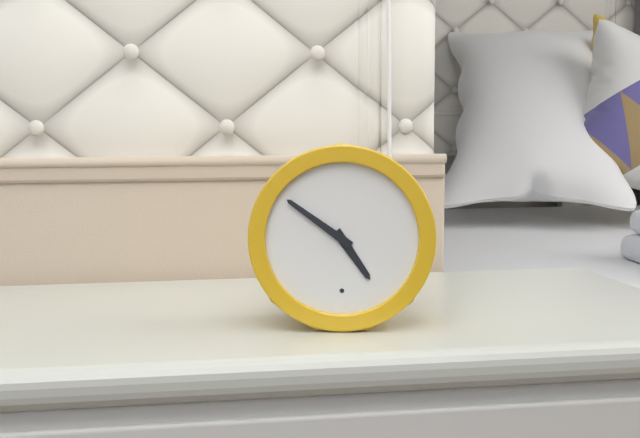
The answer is 4:51
